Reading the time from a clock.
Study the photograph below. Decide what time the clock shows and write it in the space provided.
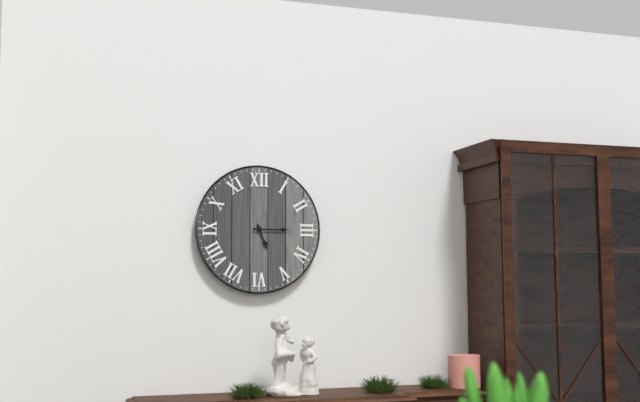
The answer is 5:15
